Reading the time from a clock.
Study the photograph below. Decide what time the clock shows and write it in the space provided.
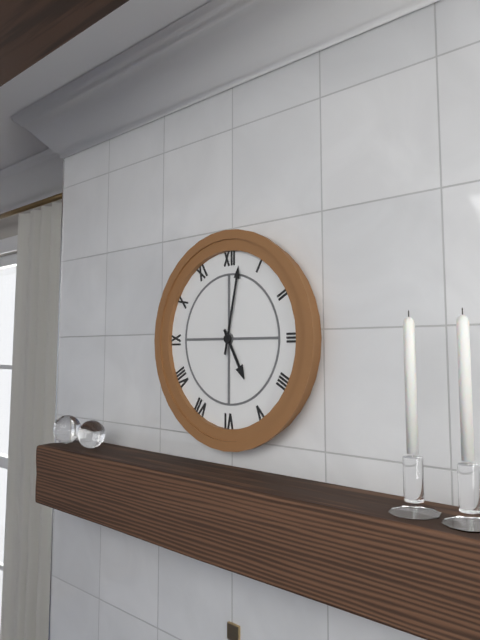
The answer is 5:02
